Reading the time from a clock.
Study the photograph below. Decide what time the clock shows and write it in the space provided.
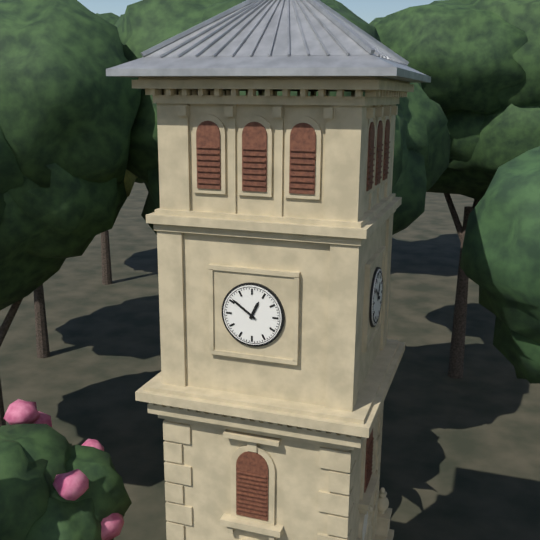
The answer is 12:51
